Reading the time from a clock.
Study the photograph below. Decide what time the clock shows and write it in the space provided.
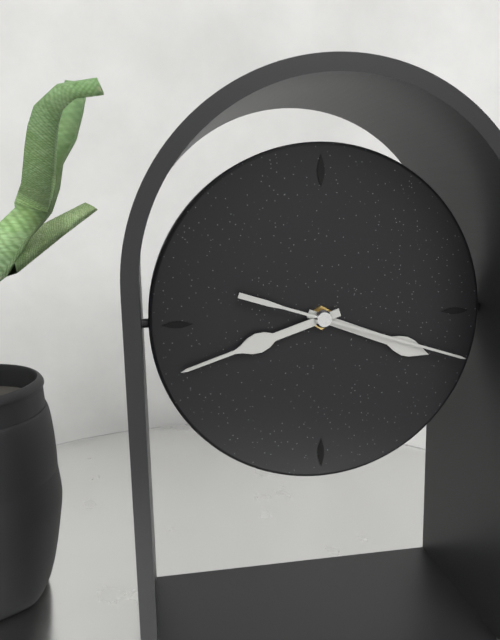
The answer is 3:42:18
